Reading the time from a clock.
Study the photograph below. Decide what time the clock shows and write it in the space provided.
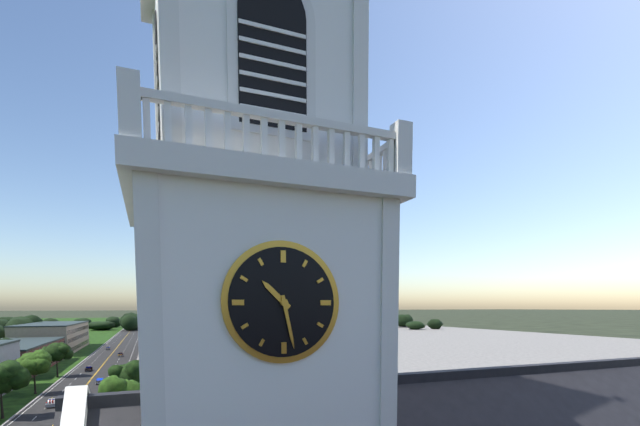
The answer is 10:28
